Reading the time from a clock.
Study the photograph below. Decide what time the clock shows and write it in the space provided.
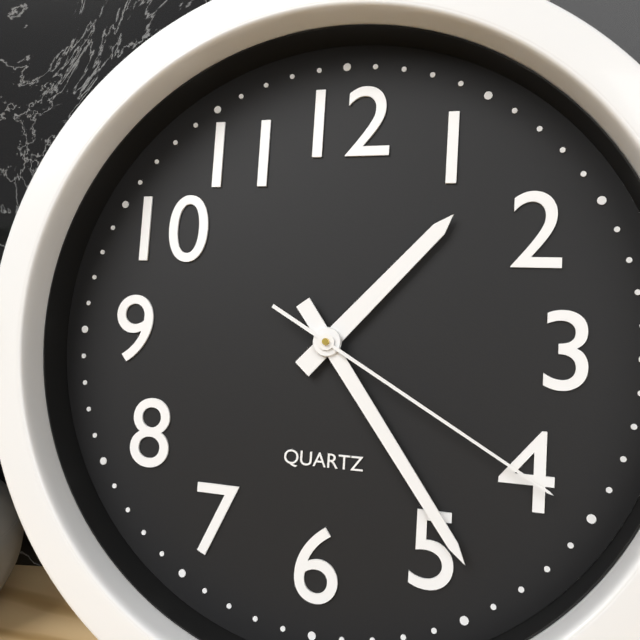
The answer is 1:24:20
